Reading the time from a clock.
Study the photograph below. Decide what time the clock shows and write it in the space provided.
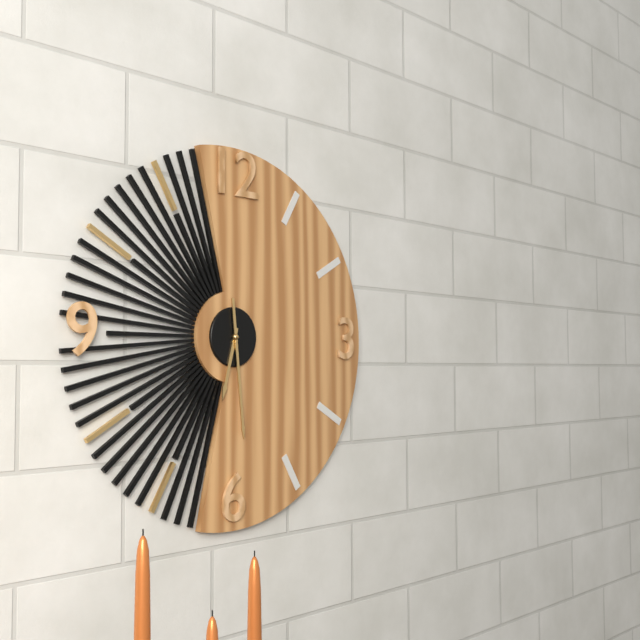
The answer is 6:29
